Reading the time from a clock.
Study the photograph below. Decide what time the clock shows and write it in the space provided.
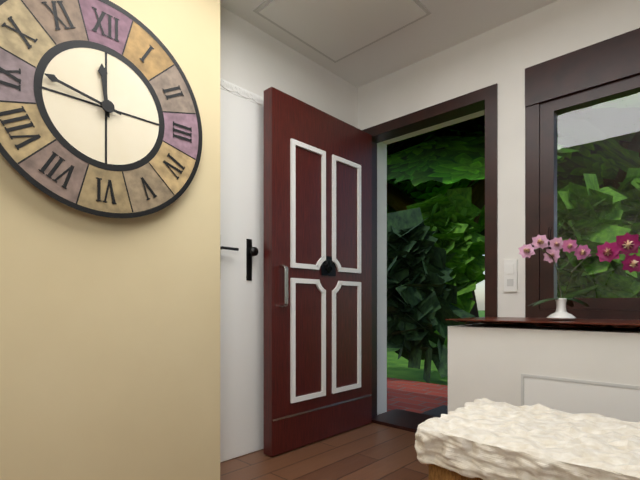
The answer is 11:47
